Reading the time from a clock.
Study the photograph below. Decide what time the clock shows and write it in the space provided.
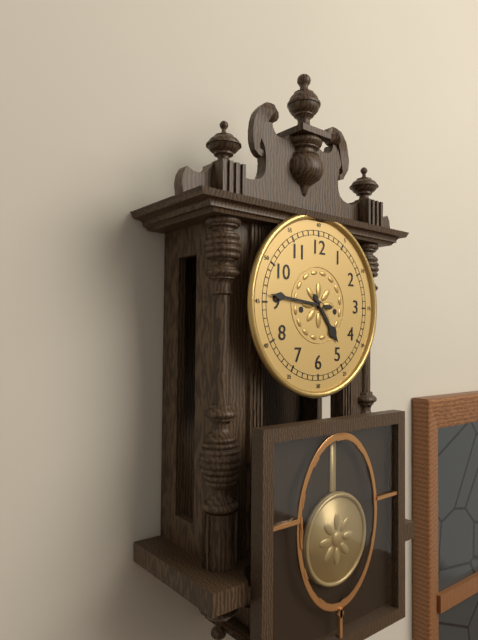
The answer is 4:46
